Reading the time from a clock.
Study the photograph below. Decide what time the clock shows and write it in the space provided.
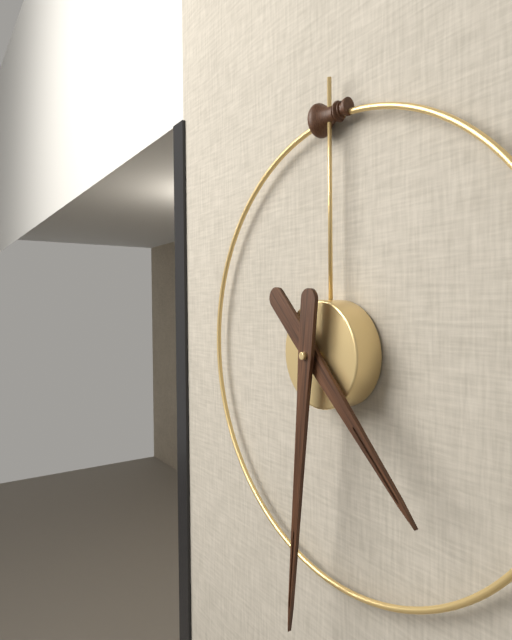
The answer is 4:31
